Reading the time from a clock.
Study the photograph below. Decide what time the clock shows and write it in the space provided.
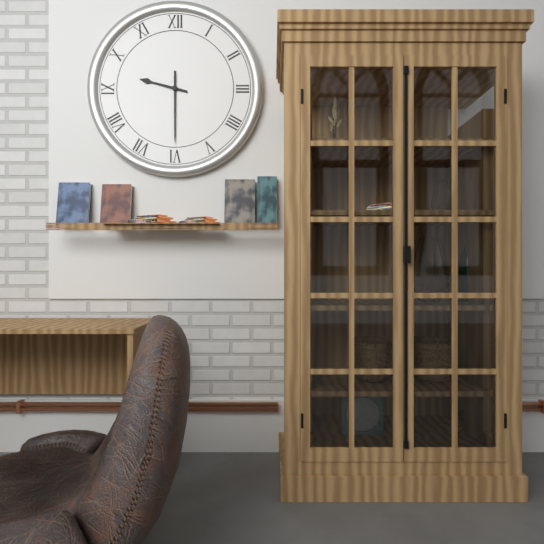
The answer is 9:30
